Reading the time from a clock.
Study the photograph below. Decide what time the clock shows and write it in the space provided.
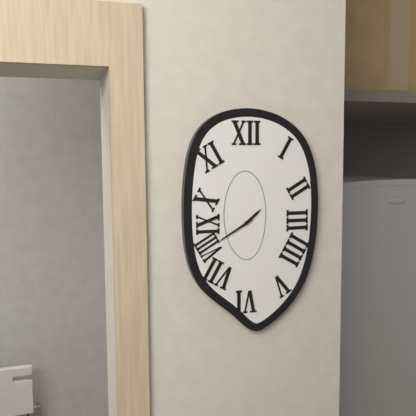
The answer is 1:40
